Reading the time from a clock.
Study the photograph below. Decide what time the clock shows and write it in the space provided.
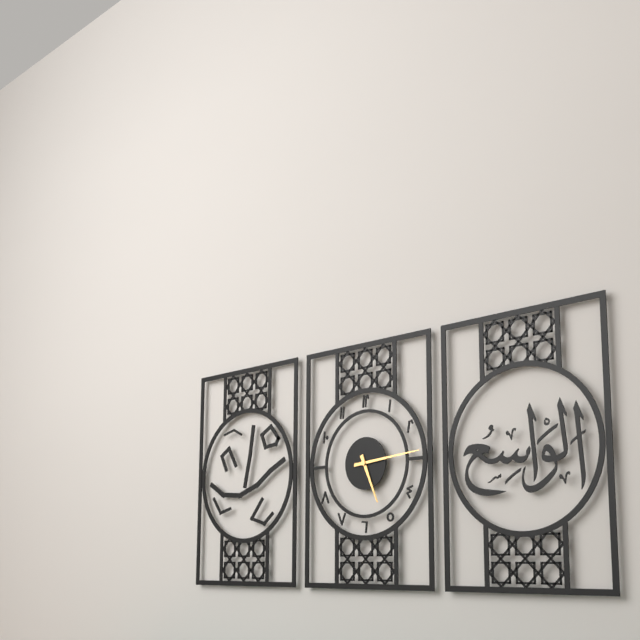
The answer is 5:14
